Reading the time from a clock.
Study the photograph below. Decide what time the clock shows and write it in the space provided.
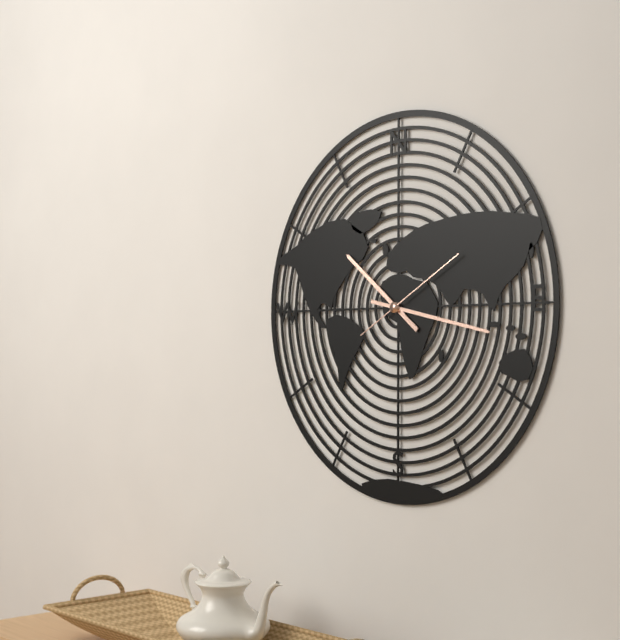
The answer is 10:17:10
